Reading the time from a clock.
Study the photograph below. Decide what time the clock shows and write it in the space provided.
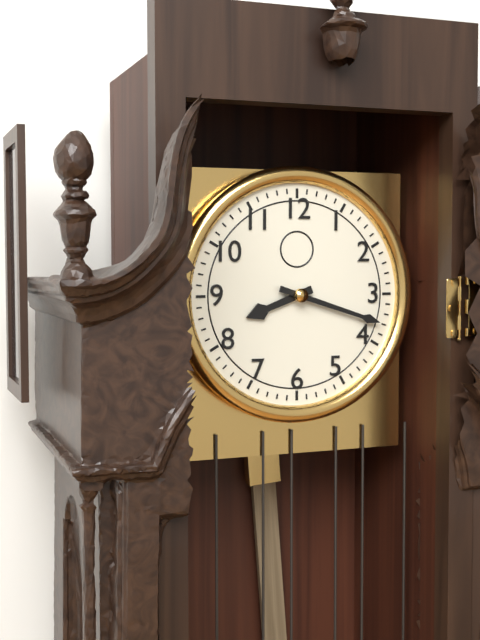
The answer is 8:18
